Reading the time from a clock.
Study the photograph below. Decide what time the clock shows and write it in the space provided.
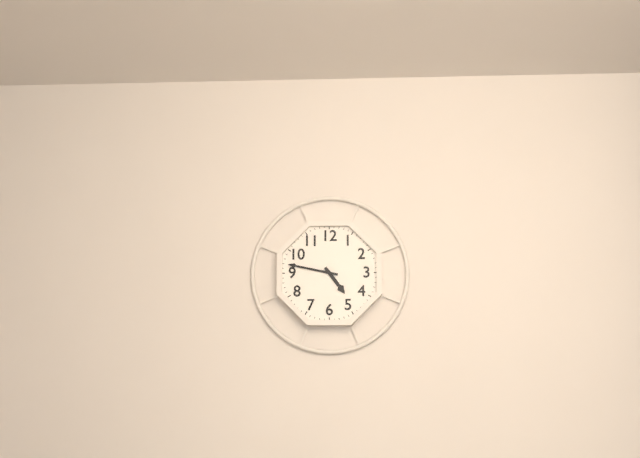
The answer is 4:47
